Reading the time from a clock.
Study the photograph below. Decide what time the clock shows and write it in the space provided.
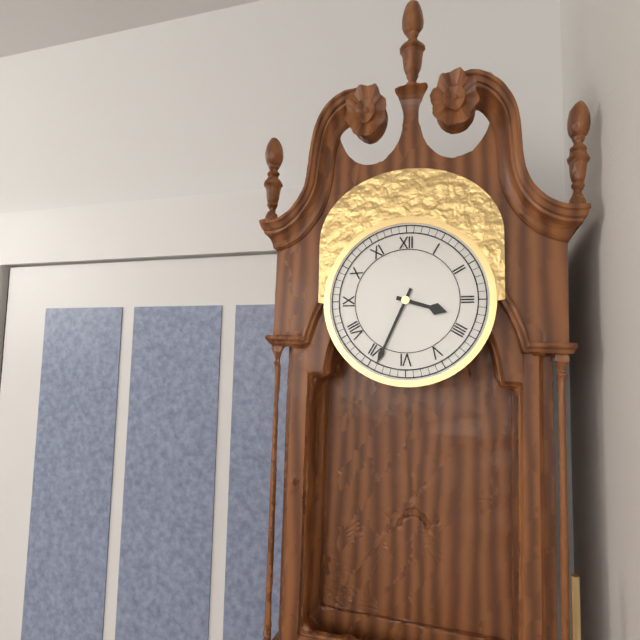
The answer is 3:34
